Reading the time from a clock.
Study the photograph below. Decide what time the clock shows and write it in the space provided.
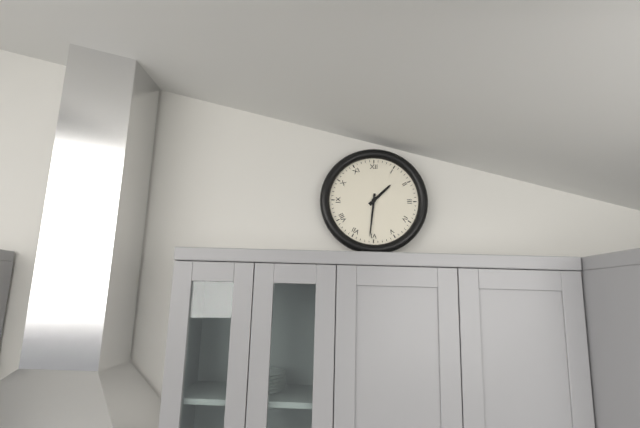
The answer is 1:31
